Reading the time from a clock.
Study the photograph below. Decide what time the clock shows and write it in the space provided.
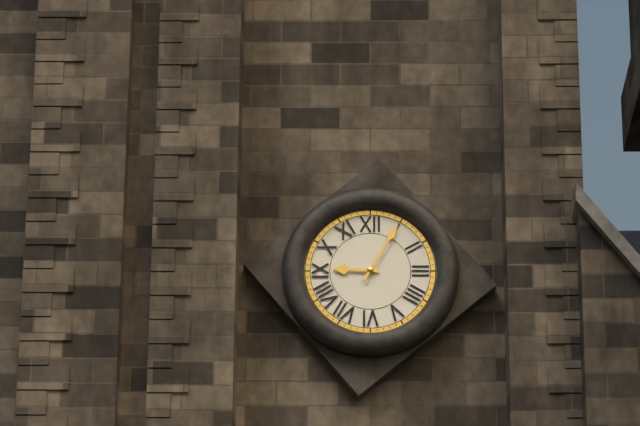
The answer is 9:05
